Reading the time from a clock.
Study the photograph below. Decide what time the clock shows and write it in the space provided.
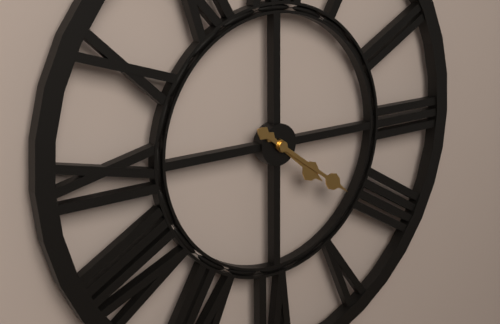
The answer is 4:21
